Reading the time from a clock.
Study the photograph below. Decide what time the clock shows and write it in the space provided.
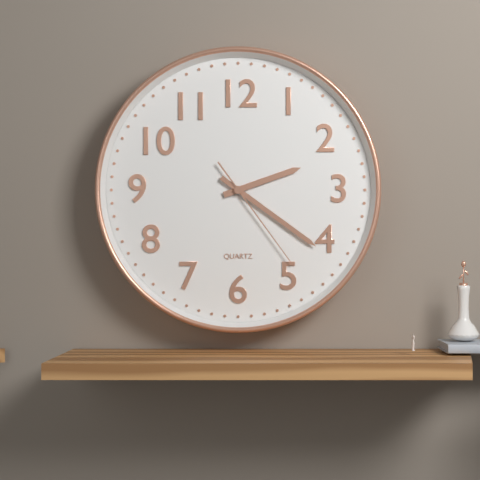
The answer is 2:21:24
